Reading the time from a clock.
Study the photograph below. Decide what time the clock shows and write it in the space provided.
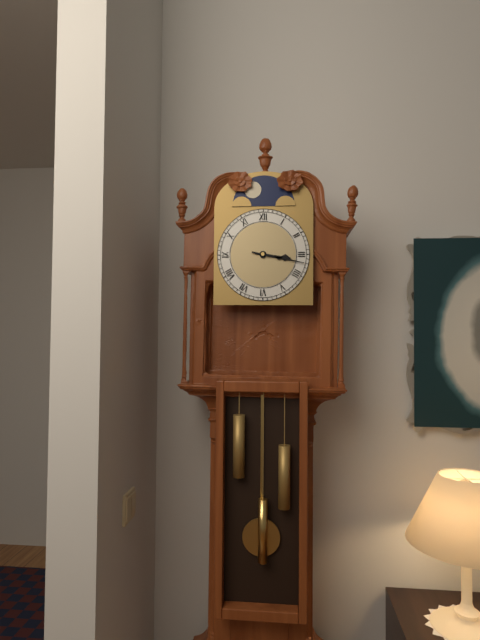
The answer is 3:17
